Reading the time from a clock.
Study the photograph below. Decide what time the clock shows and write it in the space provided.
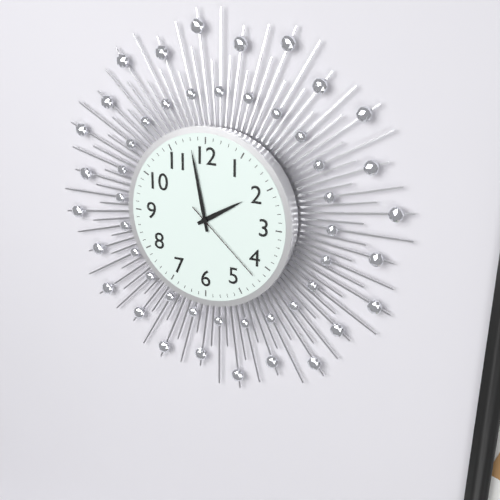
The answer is 1:58:22
